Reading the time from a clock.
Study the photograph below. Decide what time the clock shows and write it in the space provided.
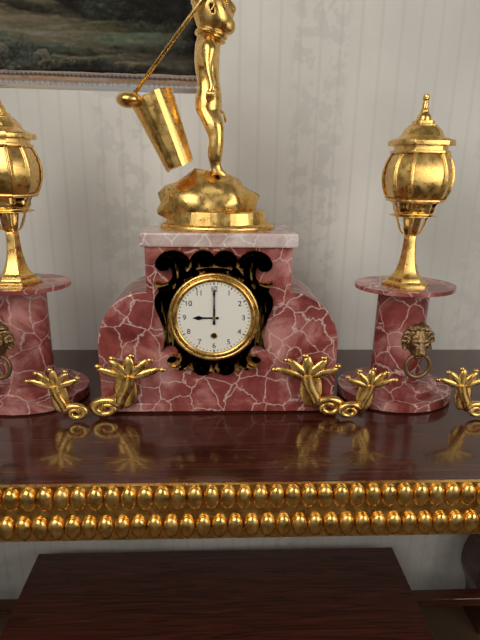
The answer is 9:00
